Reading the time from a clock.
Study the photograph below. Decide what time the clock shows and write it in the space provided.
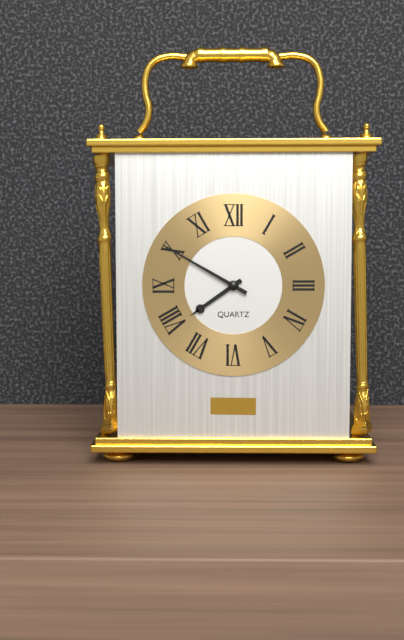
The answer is 7:50
